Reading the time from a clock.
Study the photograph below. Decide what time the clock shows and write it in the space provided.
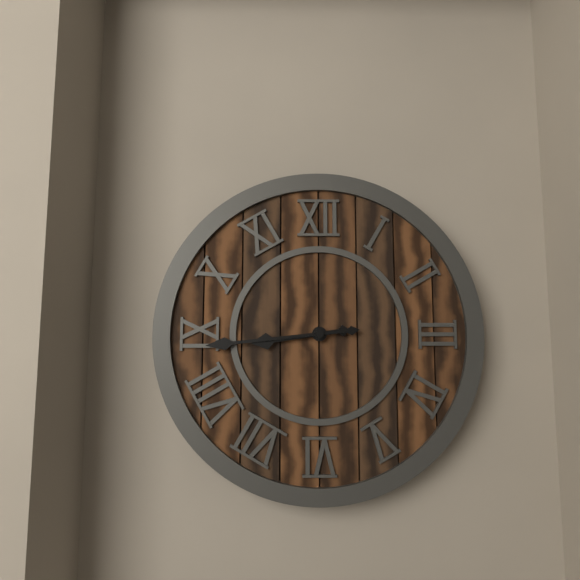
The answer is 8:44
